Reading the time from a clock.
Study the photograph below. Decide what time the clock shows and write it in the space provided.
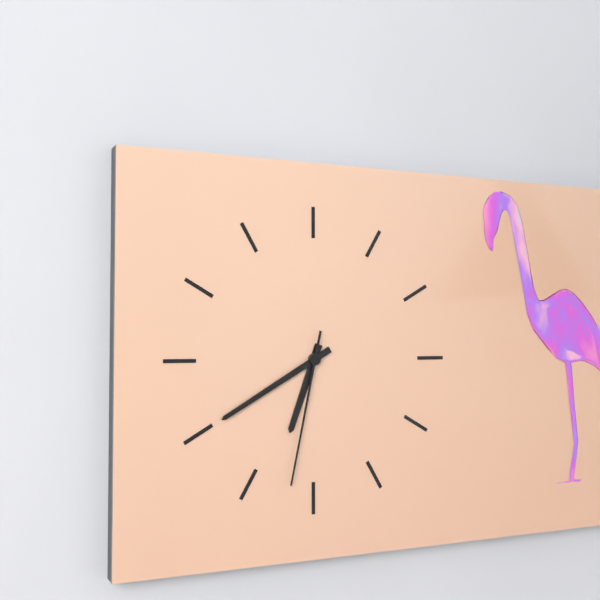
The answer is 6:40:32
